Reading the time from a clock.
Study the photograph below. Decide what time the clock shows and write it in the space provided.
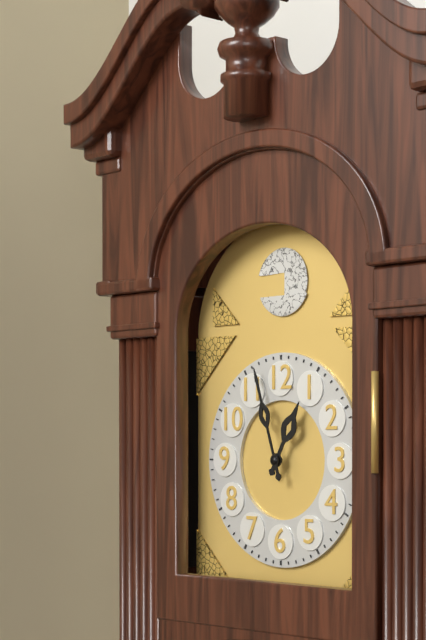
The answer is 12:57
